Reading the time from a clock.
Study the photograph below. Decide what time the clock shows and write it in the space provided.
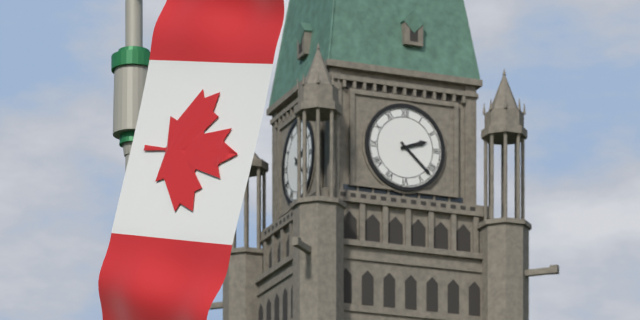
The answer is 2:22
